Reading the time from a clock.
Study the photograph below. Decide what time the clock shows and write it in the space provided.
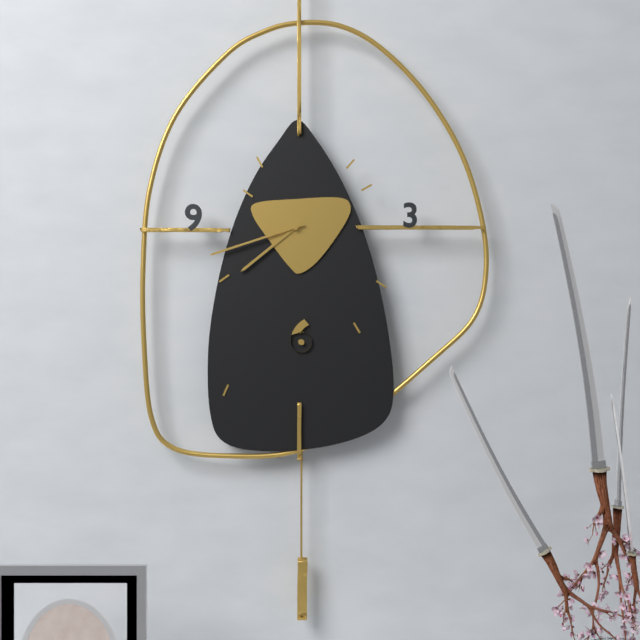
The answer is 7:42
